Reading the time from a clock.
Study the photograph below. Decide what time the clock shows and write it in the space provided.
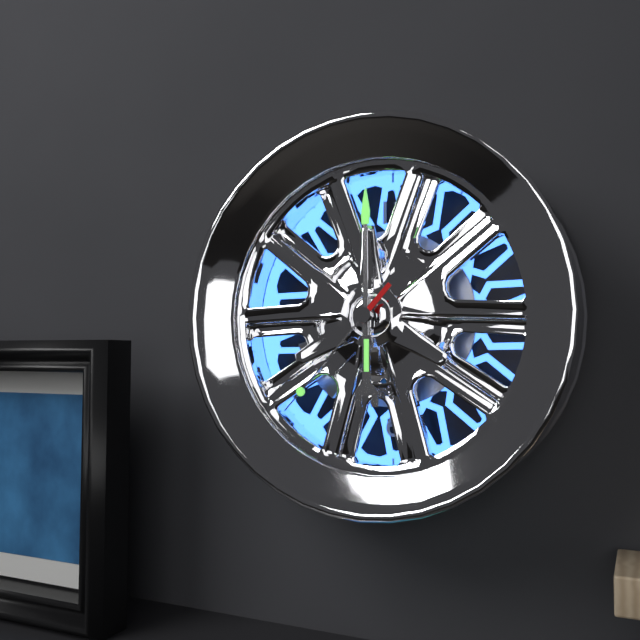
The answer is 6:00:37
